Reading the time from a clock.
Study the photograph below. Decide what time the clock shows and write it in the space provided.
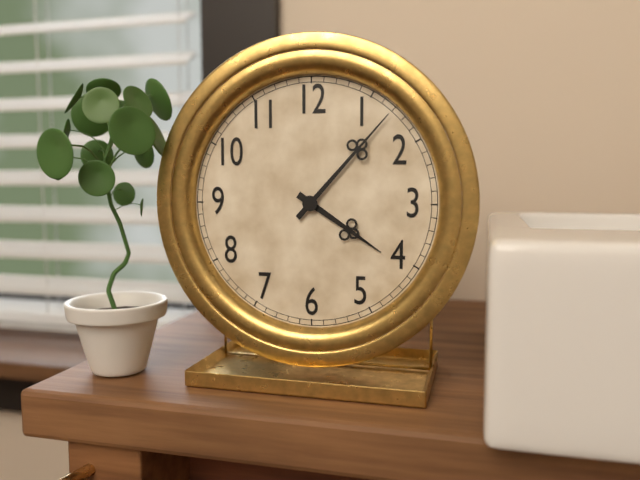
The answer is 4:07
